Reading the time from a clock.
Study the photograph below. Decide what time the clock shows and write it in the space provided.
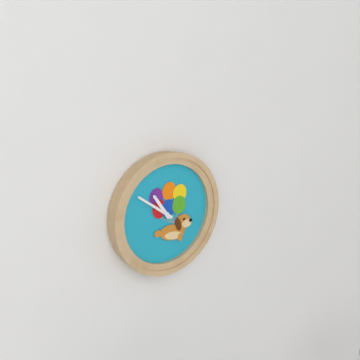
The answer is 10:51
